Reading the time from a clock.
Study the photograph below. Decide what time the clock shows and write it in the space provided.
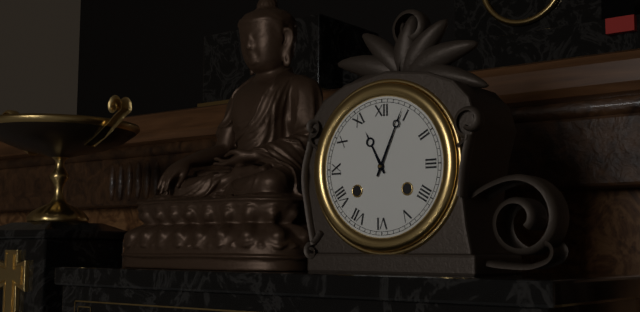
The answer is 11:04
